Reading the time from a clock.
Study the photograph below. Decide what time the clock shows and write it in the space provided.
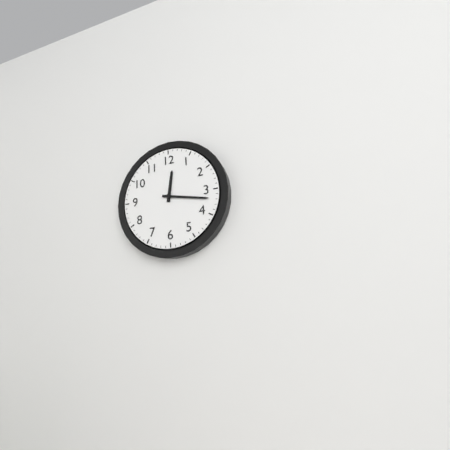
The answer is 12:17
